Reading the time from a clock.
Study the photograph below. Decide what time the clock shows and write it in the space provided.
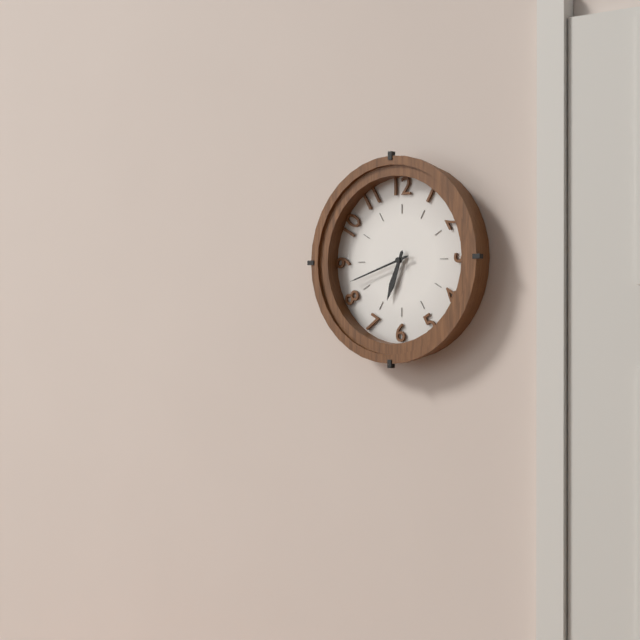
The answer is 6:42
